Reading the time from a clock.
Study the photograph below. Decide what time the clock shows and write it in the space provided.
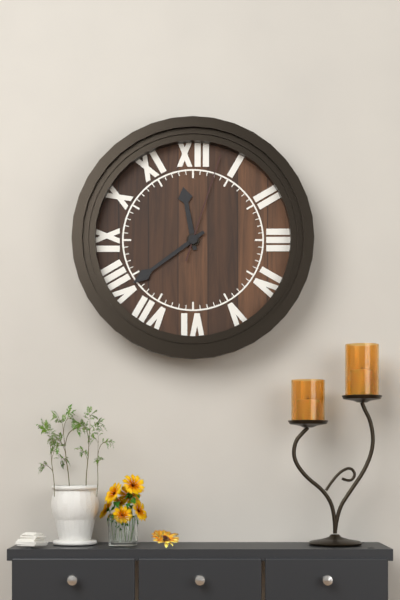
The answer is 11:39:03
